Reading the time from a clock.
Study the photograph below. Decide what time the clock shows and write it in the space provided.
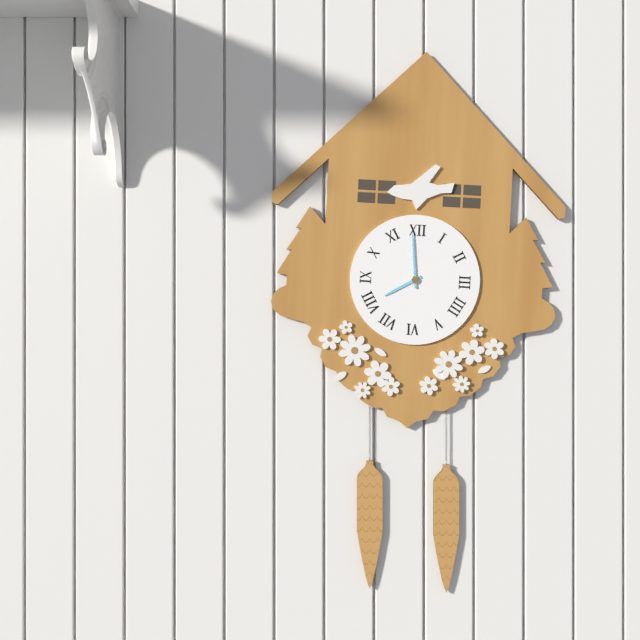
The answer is 7:59
